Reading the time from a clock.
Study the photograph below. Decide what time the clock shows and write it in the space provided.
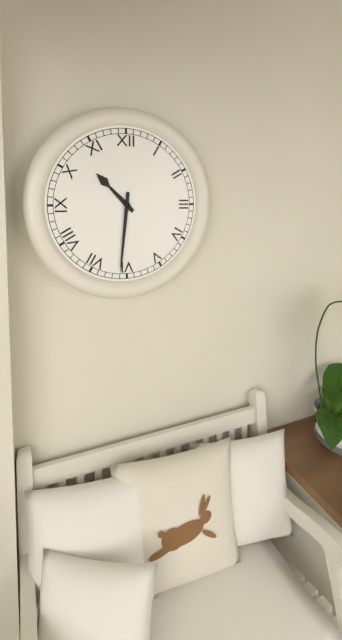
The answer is 10:31
